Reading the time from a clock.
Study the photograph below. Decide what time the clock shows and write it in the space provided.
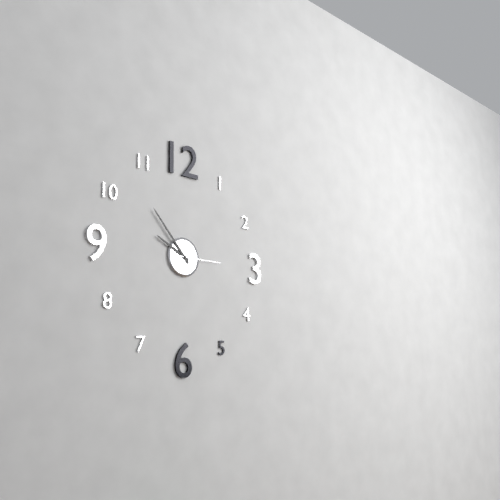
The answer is 9:53
